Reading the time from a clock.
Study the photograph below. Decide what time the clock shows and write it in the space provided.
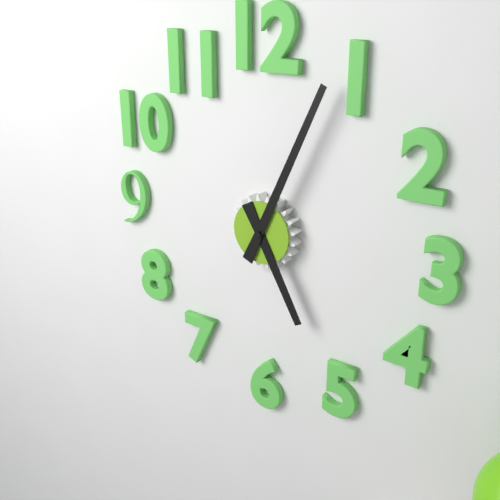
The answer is 5:04
